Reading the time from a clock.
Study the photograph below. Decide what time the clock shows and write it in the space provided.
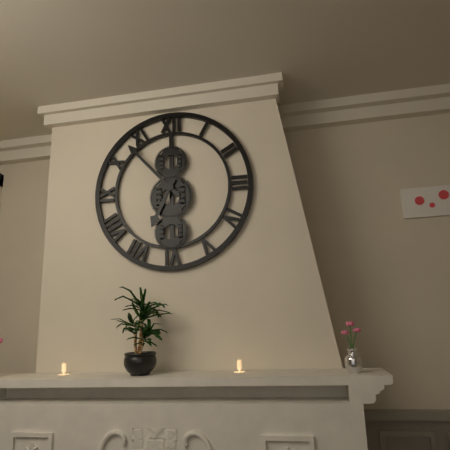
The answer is 6:53
